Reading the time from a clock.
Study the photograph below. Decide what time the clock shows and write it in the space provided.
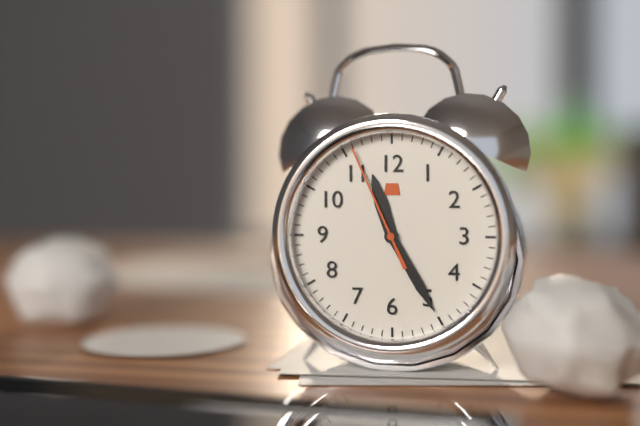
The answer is 11:25:56
